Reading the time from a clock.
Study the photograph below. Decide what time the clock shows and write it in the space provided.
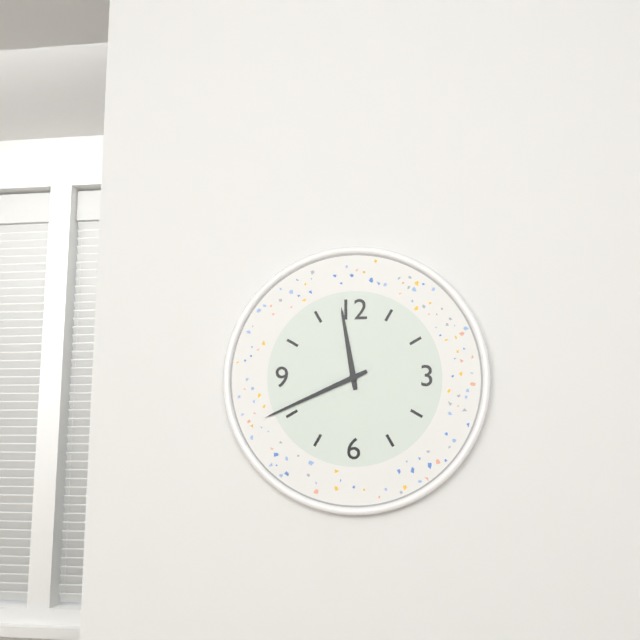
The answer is 11:41
